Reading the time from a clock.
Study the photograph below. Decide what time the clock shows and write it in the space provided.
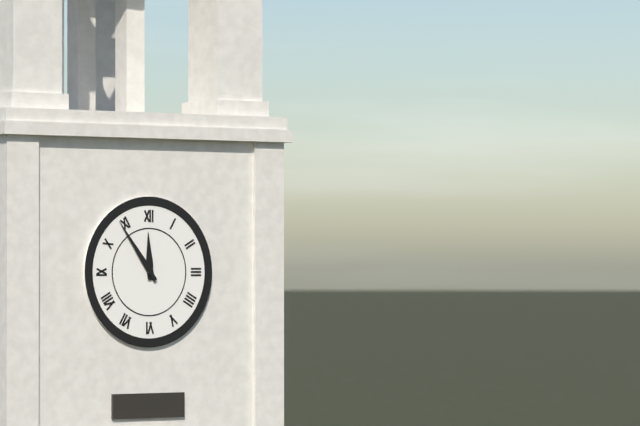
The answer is 11:54
